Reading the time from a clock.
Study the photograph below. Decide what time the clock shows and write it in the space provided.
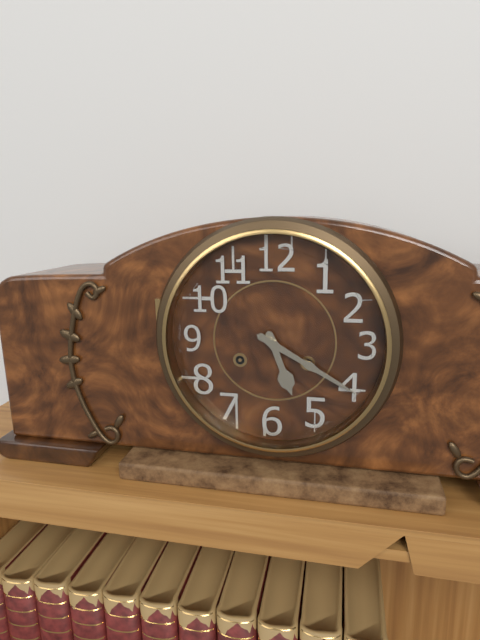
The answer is 5:20
